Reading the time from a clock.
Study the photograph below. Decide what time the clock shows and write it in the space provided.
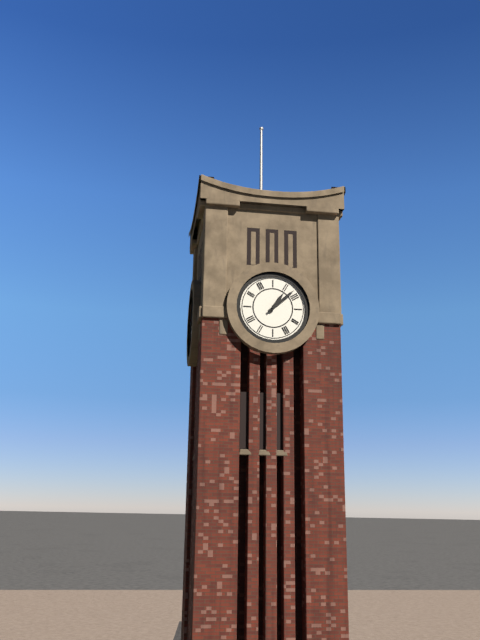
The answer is 1:08
